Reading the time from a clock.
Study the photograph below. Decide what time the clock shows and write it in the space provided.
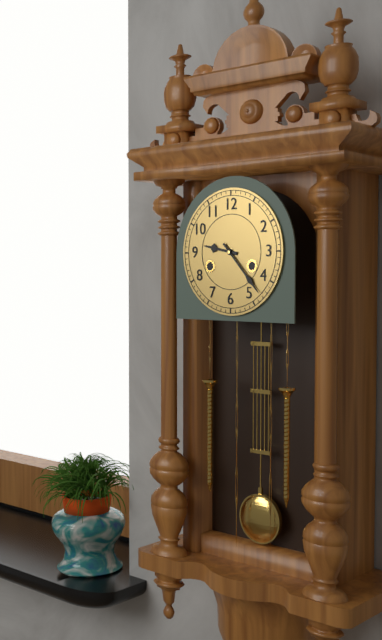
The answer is 9:23
